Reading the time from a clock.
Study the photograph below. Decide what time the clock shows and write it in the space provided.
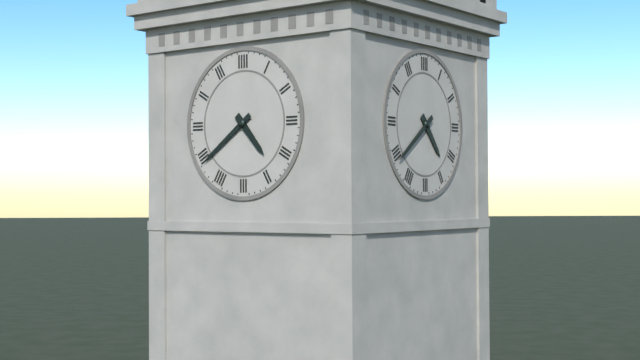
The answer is 4:39
